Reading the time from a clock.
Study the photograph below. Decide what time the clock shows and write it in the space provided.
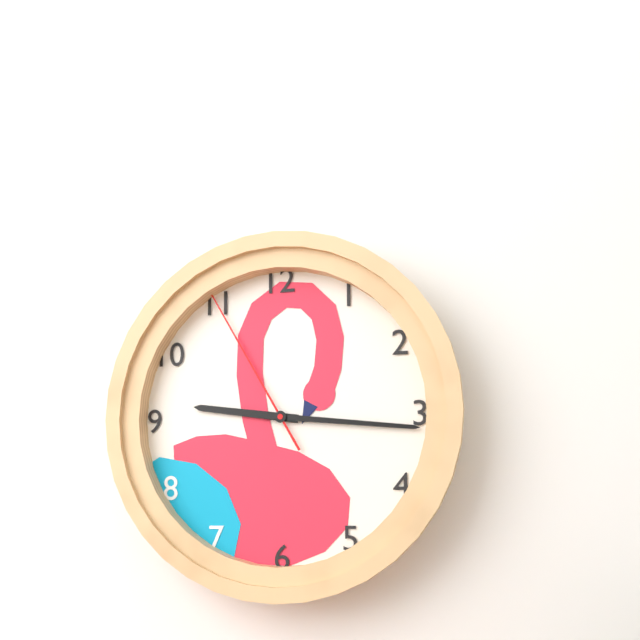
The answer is 9:16:55
